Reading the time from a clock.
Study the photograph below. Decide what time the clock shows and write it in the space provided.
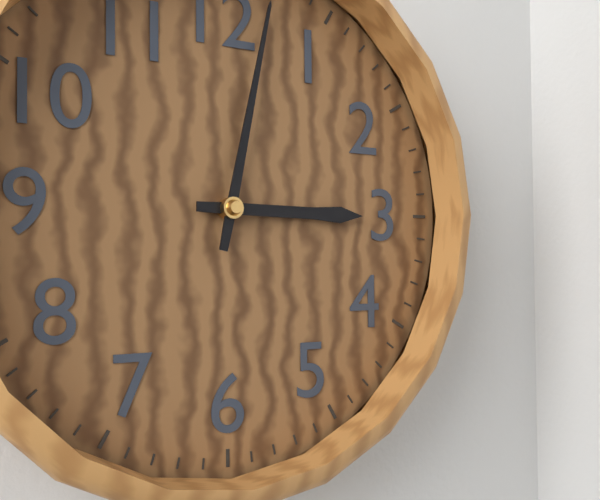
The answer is 3:02
